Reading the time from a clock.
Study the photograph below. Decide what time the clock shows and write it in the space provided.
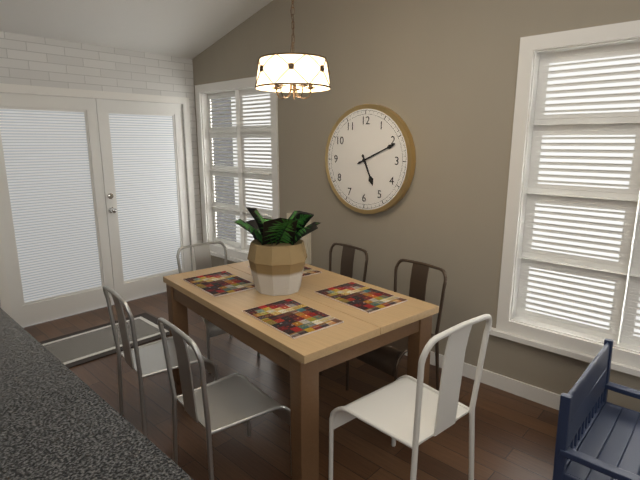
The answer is 5:11
